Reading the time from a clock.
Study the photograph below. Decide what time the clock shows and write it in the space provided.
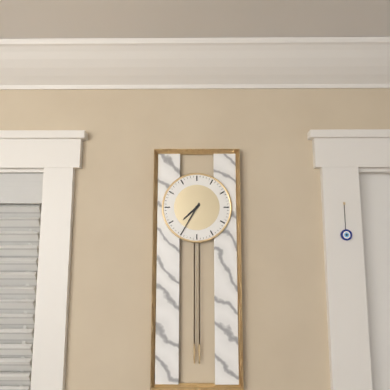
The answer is 7:35
